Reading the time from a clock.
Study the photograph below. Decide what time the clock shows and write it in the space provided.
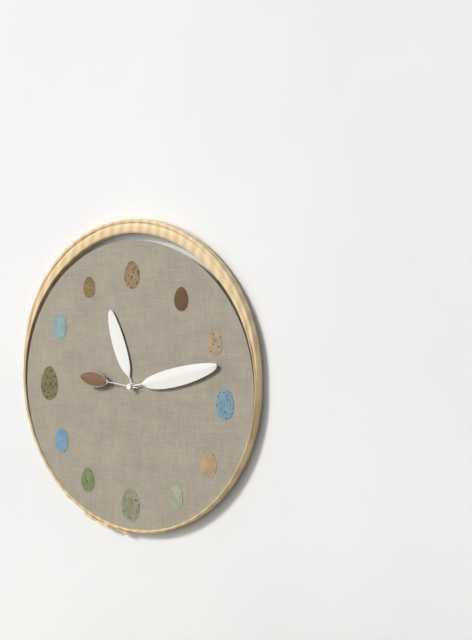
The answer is 11:13:46
